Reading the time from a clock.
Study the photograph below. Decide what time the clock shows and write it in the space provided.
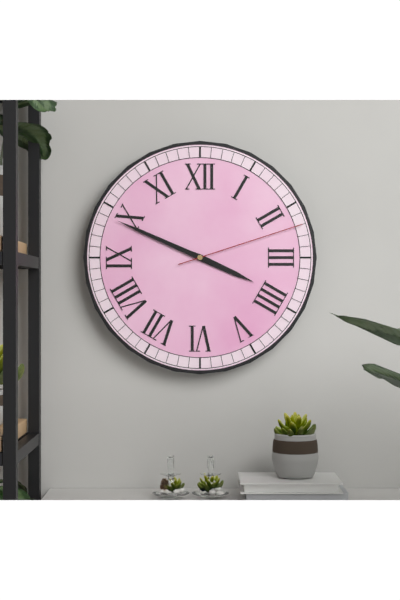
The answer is 3:49:12
